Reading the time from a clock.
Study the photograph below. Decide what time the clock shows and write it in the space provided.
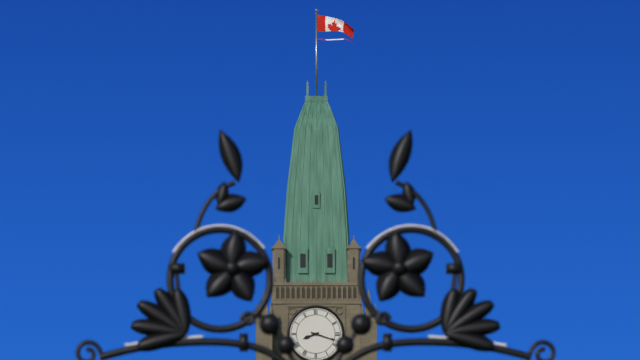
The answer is 8:18
